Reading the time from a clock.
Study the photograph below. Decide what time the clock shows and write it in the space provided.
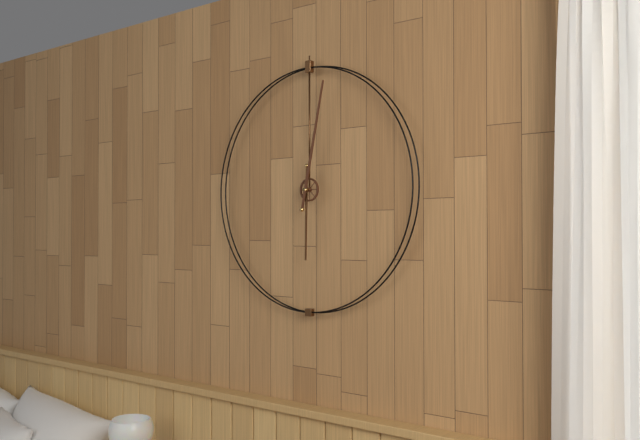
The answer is 6:02
